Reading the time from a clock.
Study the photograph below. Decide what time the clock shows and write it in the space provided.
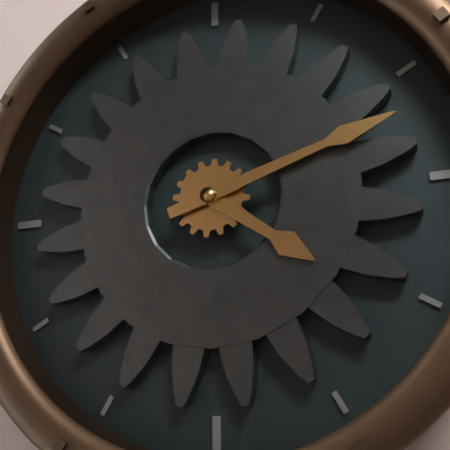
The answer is 4:12
